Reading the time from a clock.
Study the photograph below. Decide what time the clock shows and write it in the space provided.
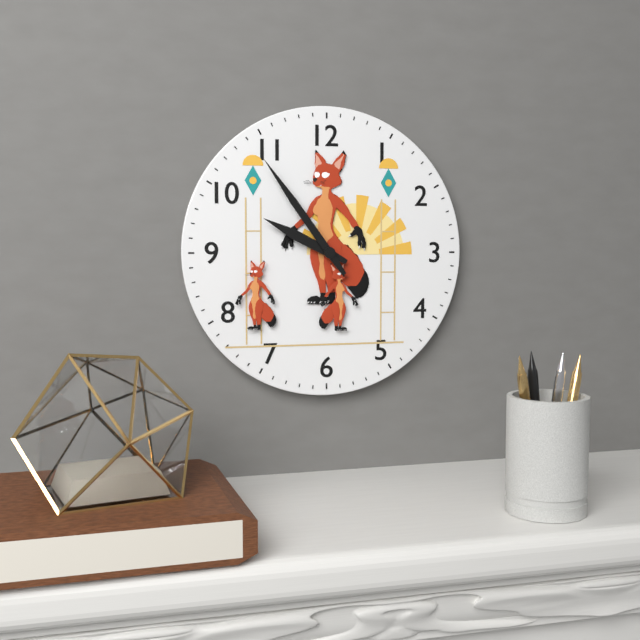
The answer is 9:54
